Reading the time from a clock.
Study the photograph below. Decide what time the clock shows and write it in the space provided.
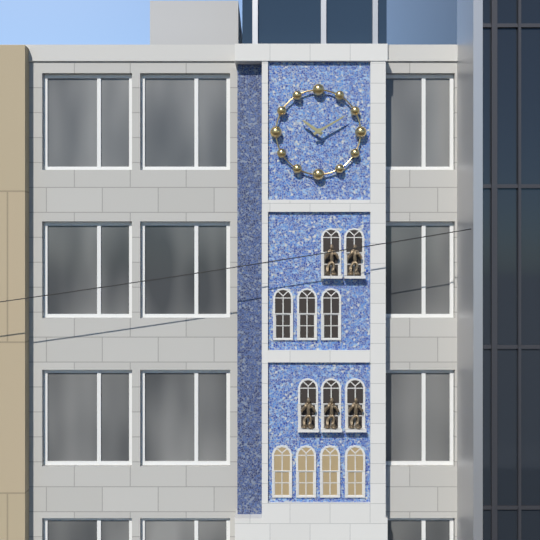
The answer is 10:10
